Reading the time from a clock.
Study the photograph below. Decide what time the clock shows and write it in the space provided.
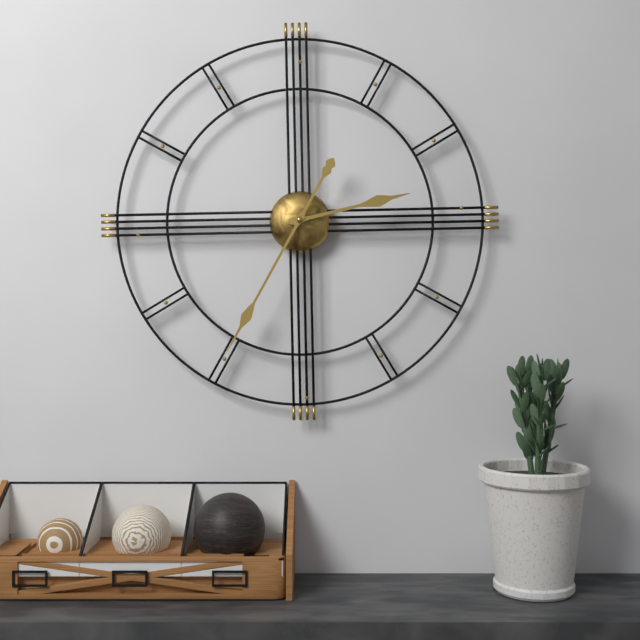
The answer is 2:35
